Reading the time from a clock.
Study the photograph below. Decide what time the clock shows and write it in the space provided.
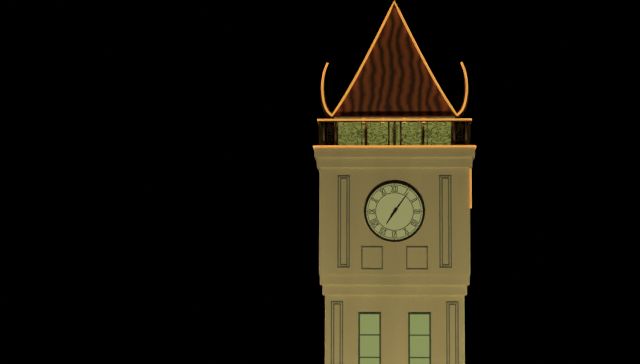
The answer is 7:06
